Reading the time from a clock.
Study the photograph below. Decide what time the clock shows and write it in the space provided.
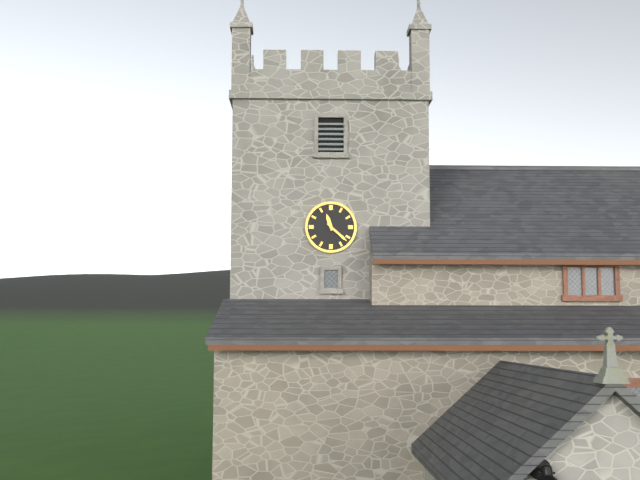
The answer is 11:22
